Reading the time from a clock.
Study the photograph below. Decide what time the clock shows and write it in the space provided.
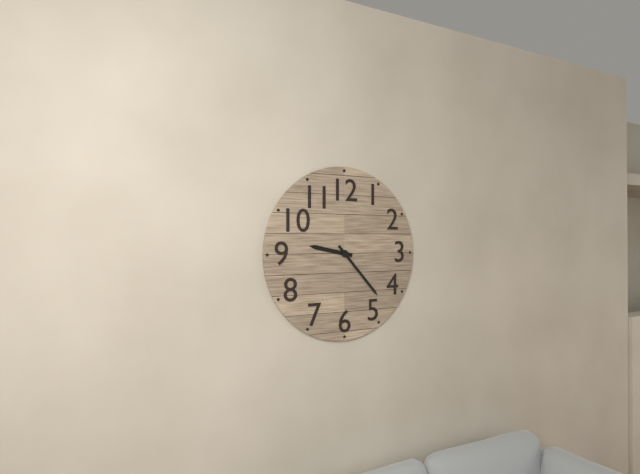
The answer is 9:23
